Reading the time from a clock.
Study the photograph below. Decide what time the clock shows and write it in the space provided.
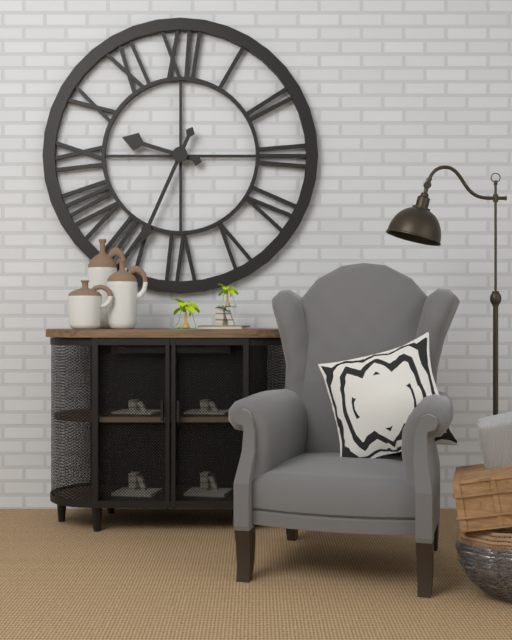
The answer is 9:34
